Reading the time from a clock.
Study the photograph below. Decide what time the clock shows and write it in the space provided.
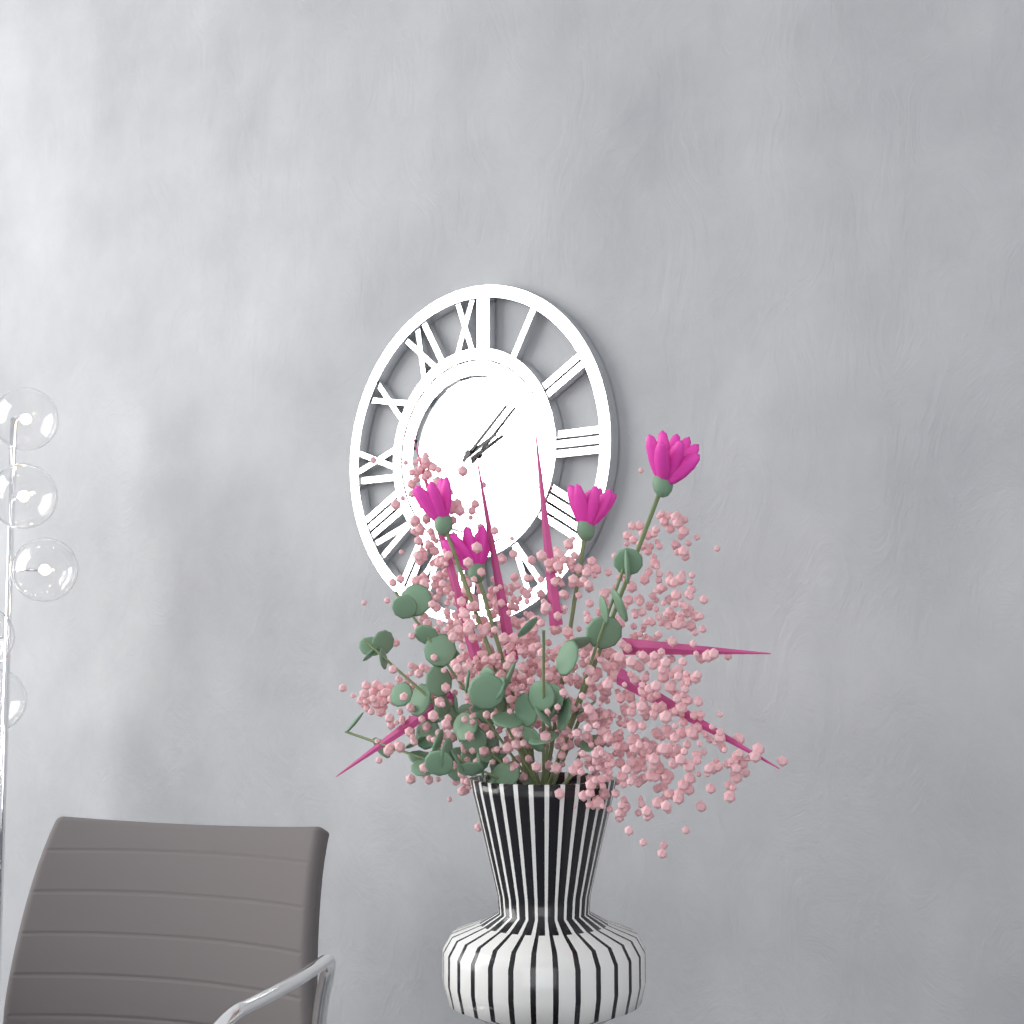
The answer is 2:08
